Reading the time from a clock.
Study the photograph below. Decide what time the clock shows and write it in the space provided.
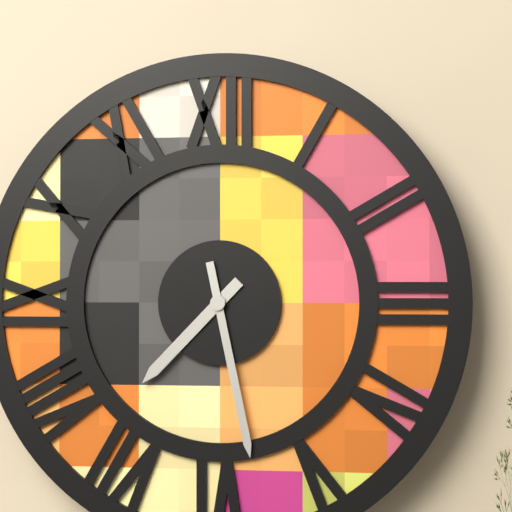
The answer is 7:28
